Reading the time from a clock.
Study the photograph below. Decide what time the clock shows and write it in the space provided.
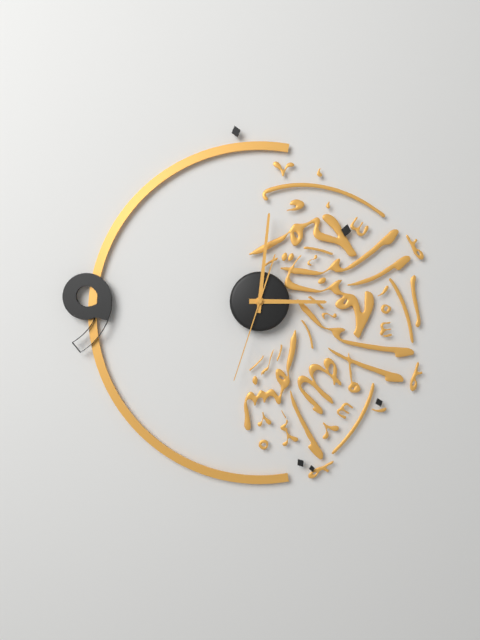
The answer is 3:01:33
